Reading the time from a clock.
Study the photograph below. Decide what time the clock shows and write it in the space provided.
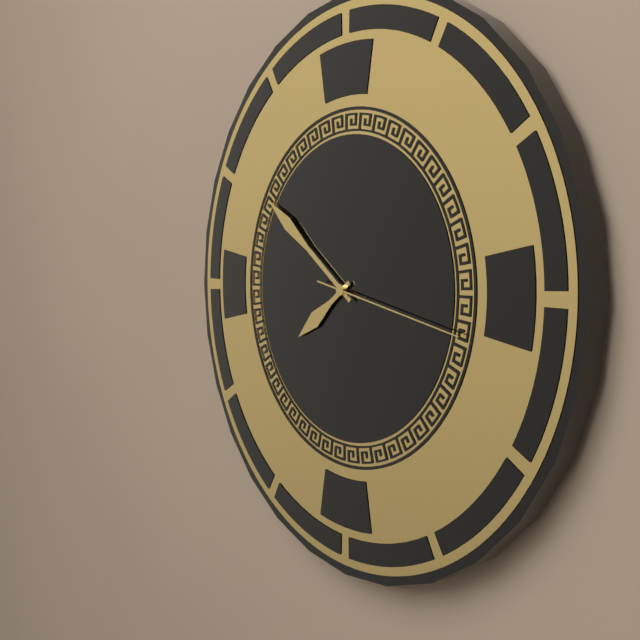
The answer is 7:51:17
